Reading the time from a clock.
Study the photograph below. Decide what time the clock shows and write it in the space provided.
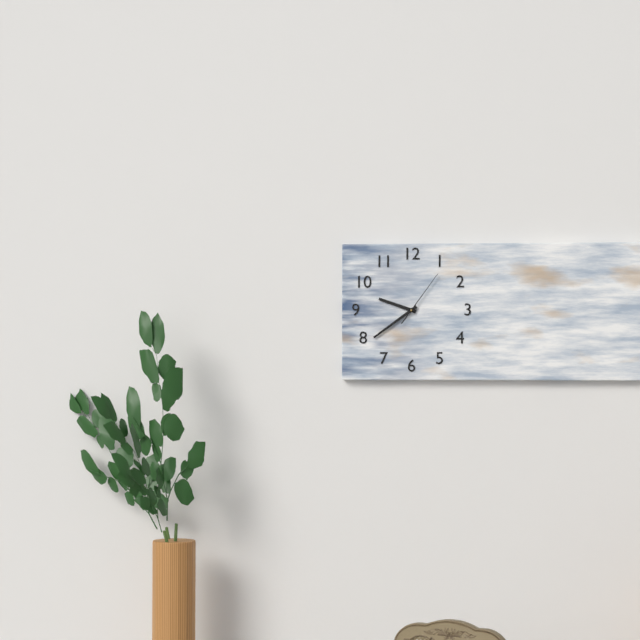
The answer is 9:39:06
